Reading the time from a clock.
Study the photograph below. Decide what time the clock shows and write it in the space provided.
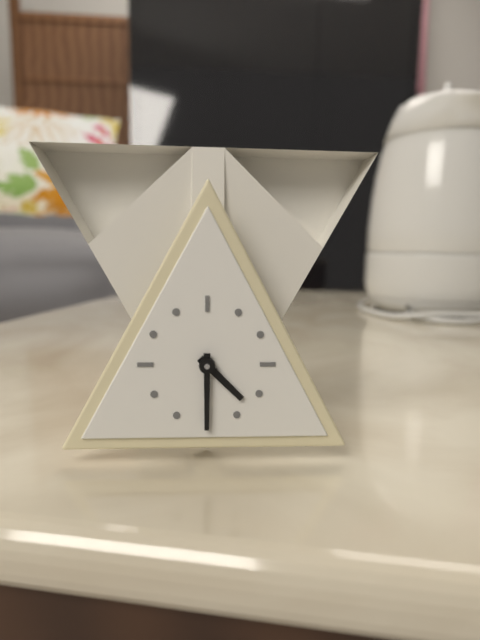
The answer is 4:30
